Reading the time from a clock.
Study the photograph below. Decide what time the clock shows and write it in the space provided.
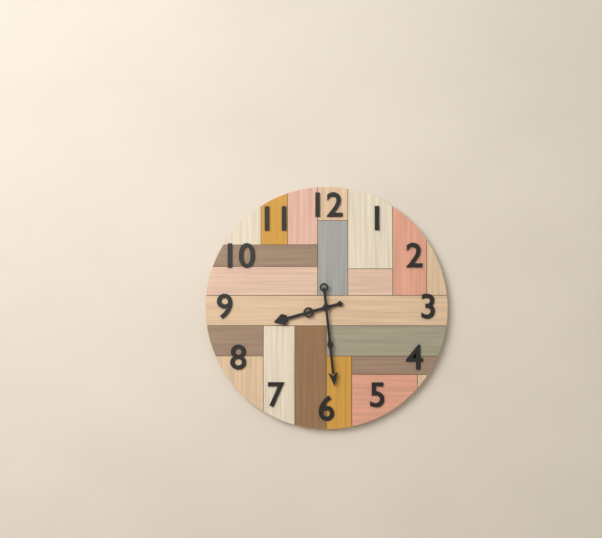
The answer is 8:29
